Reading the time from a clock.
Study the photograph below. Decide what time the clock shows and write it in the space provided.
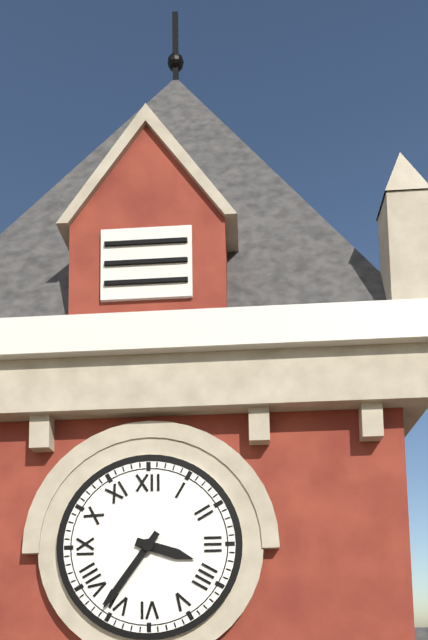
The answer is 3:36
